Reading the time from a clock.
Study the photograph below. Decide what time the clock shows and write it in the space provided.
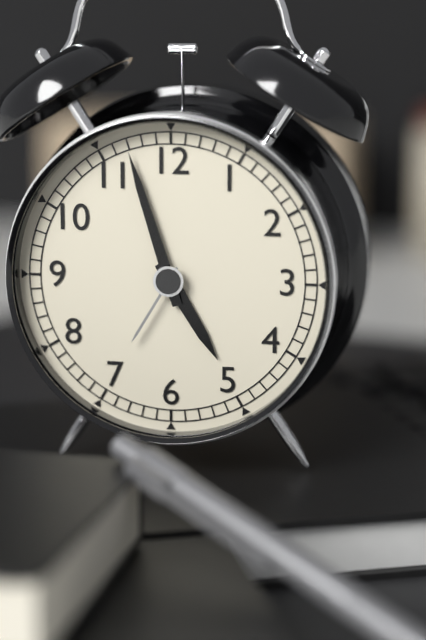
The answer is 4:57
